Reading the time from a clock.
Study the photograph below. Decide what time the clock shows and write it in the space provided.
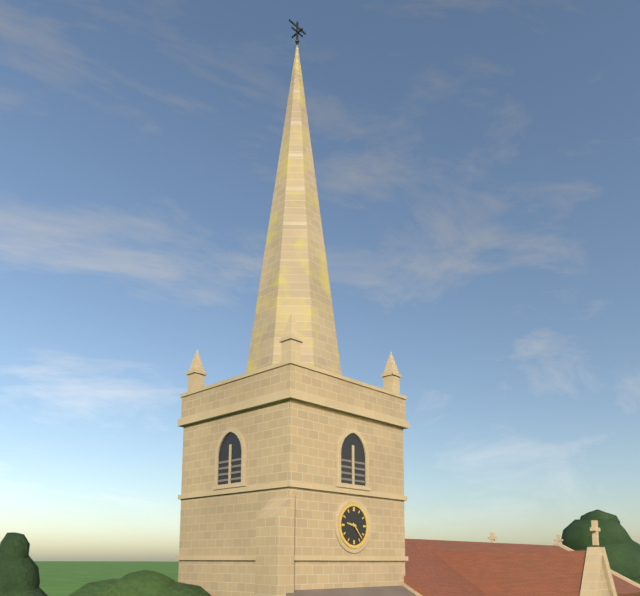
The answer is 9:23
